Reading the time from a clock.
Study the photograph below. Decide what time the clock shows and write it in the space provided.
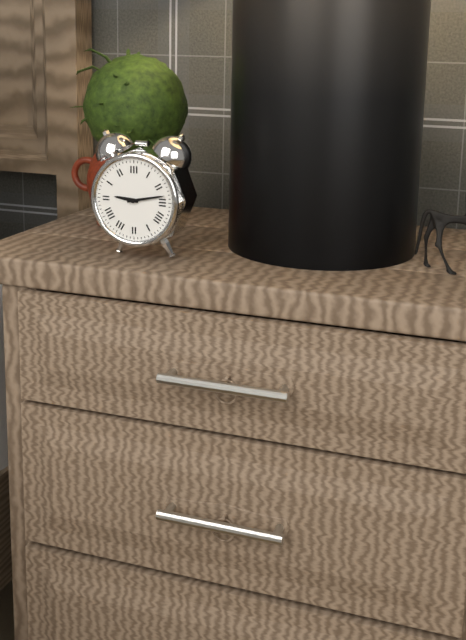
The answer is 9:13
